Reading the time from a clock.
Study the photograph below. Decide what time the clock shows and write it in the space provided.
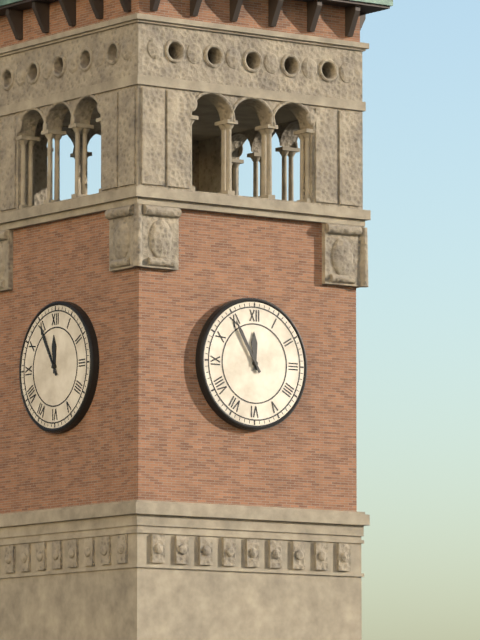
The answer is 11:55
